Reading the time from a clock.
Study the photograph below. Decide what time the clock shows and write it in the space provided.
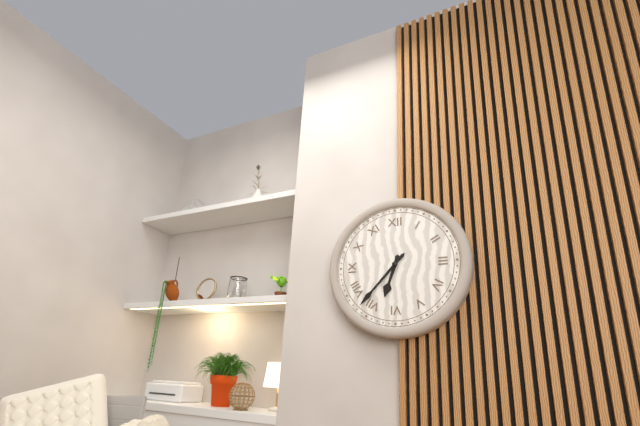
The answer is 6:37
